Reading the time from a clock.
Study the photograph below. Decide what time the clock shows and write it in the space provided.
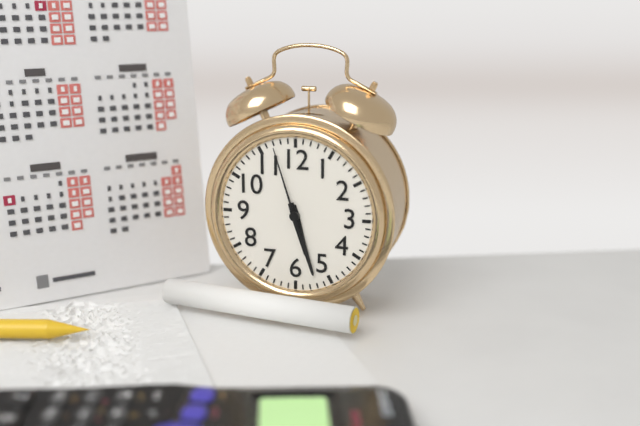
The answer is 5:27:57
